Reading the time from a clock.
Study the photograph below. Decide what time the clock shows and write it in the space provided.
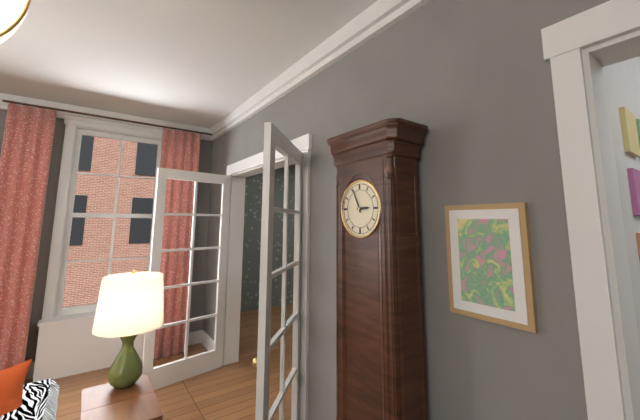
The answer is 2:56
